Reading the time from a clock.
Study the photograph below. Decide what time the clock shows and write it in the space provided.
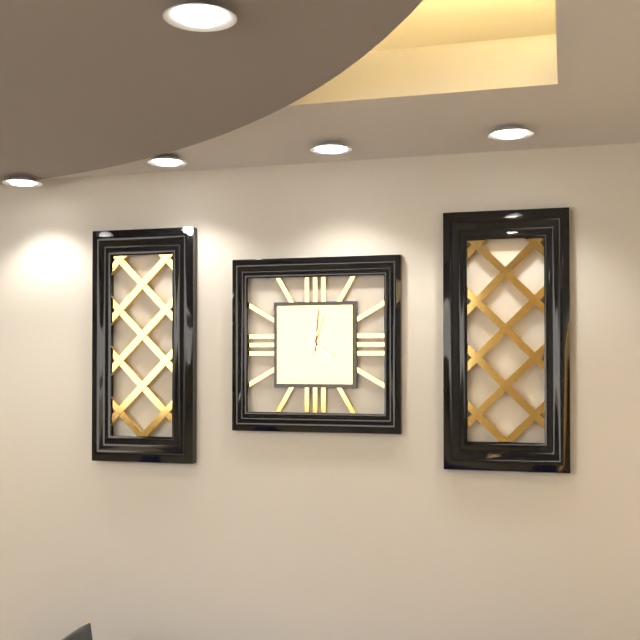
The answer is 4:01
